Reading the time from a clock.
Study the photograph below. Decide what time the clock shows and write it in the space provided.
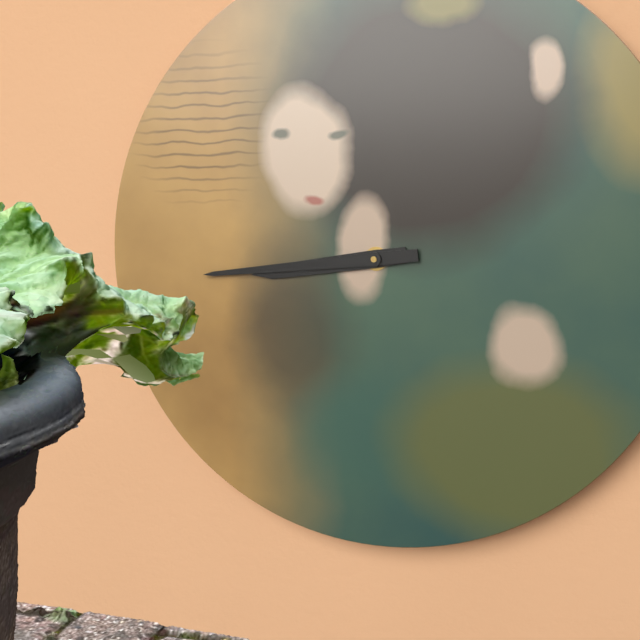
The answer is 8:44
